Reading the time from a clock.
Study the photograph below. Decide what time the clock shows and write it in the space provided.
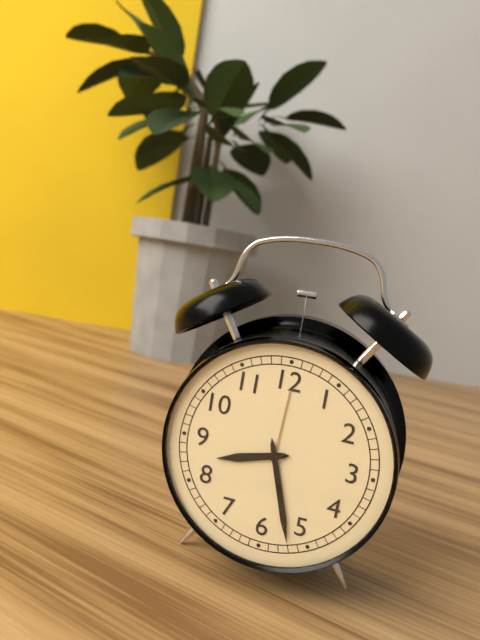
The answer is 8:27
